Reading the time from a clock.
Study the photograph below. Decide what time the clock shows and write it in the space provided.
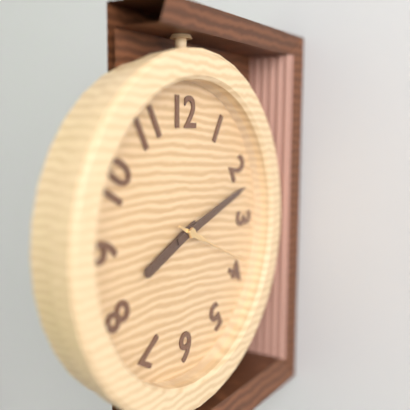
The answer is 8:12:19
